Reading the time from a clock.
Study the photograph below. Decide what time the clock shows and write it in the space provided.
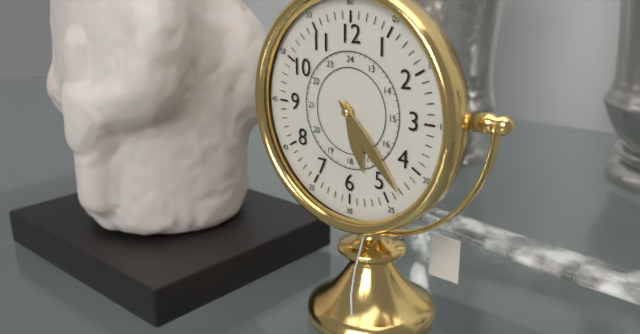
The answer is 5:23
